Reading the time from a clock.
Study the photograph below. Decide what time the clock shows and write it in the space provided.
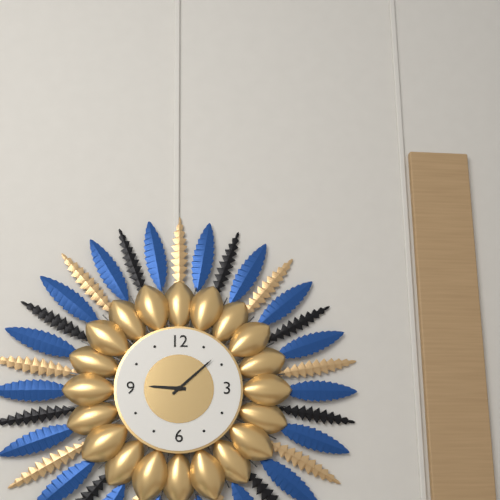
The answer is 9:08
